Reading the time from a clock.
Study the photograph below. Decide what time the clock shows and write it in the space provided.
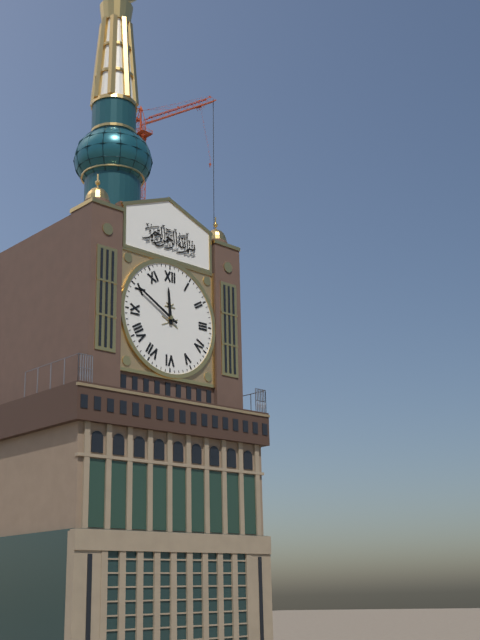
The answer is 11:50
